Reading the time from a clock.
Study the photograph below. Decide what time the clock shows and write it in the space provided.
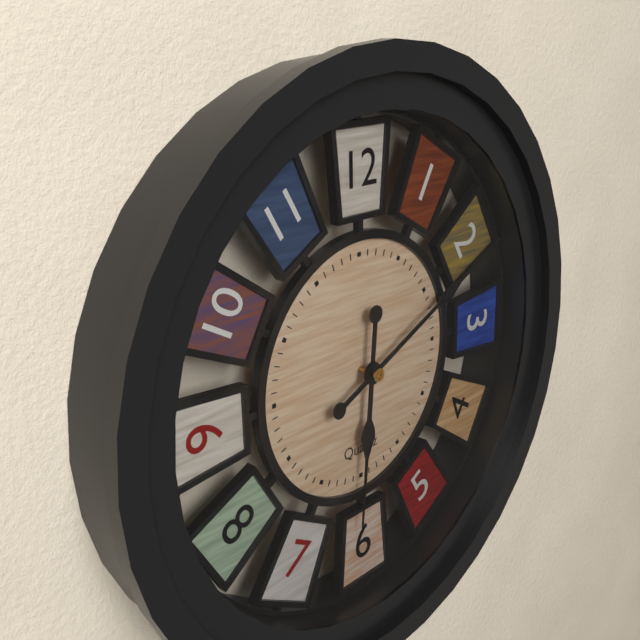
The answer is 6:11
